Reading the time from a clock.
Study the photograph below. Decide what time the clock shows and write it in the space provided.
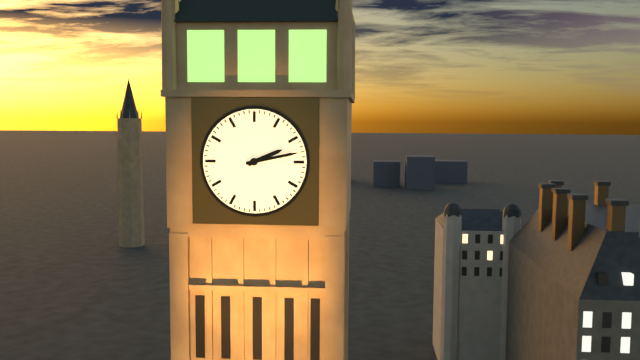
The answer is 2:13
